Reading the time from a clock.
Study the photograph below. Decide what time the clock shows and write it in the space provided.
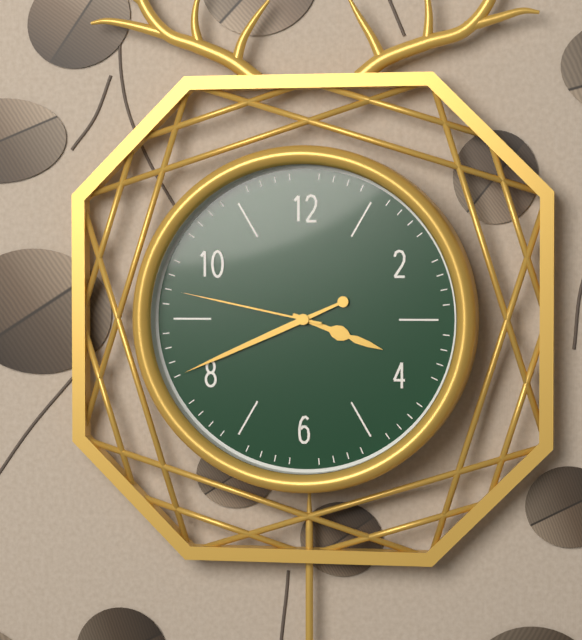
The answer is 3:41:47
